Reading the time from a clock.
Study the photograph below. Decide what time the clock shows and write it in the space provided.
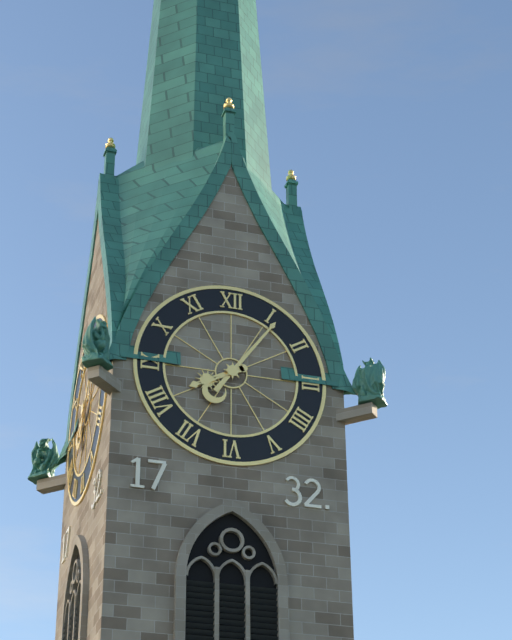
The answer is 8:06
